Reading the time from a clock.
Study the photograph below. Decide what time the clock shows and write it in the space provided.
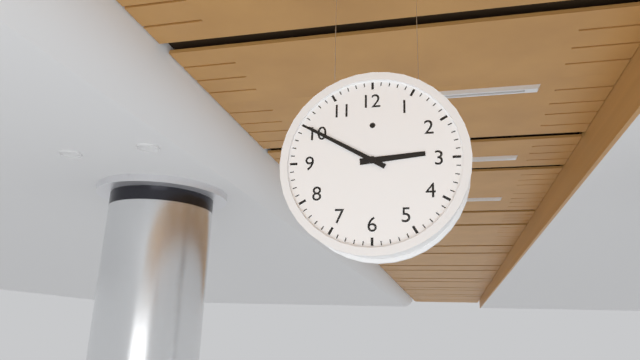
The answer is 2:50
